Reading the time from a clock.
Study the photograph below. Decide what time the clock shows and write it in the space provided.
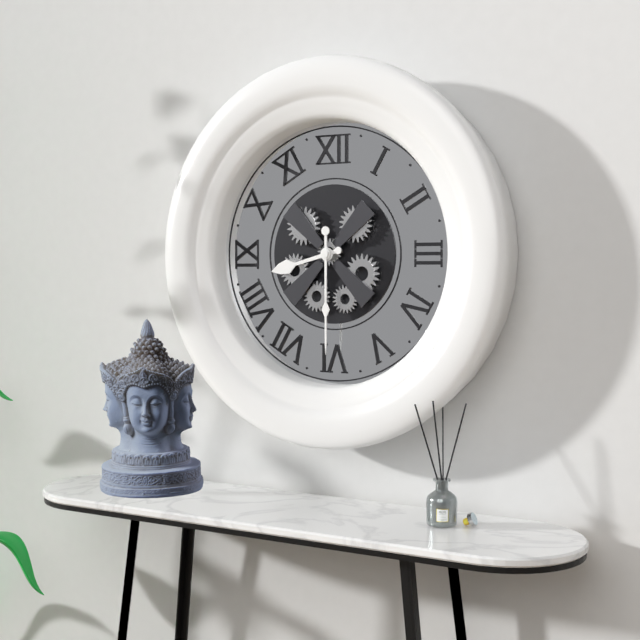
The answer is 8:30
